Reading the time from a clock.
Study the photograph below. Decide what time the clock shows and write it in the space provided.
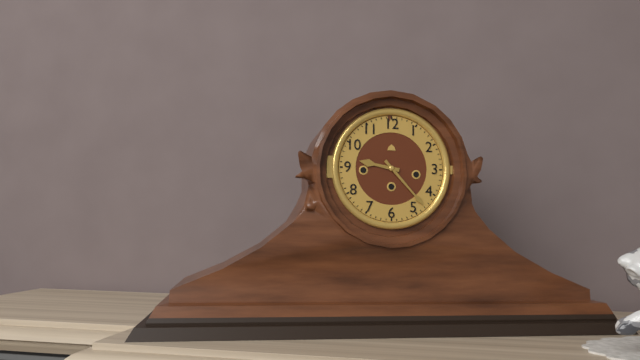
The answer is 9:23
